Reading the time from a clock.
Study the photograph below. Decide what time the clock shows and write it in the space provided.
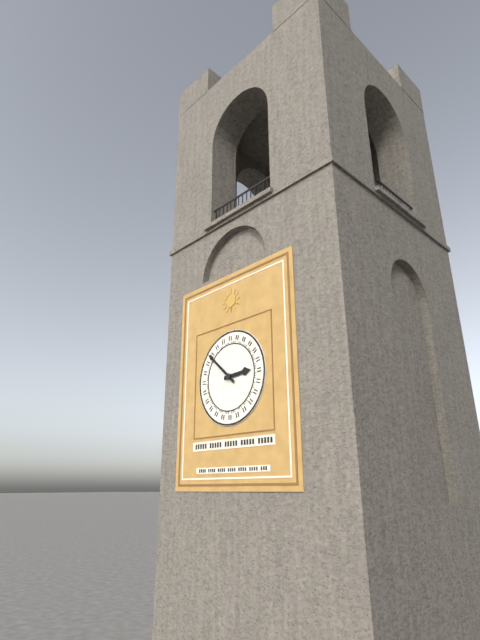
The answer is 2:52
